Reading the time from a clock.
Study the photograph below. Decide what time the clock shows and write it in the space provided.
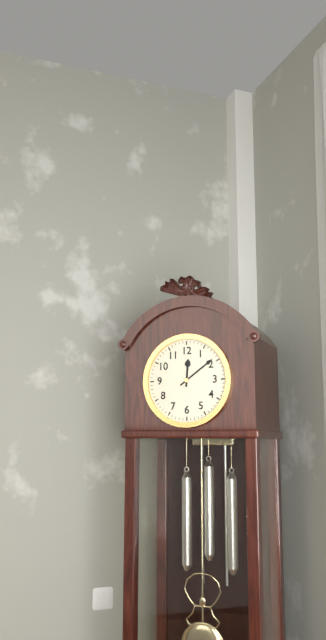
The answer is 12:09
